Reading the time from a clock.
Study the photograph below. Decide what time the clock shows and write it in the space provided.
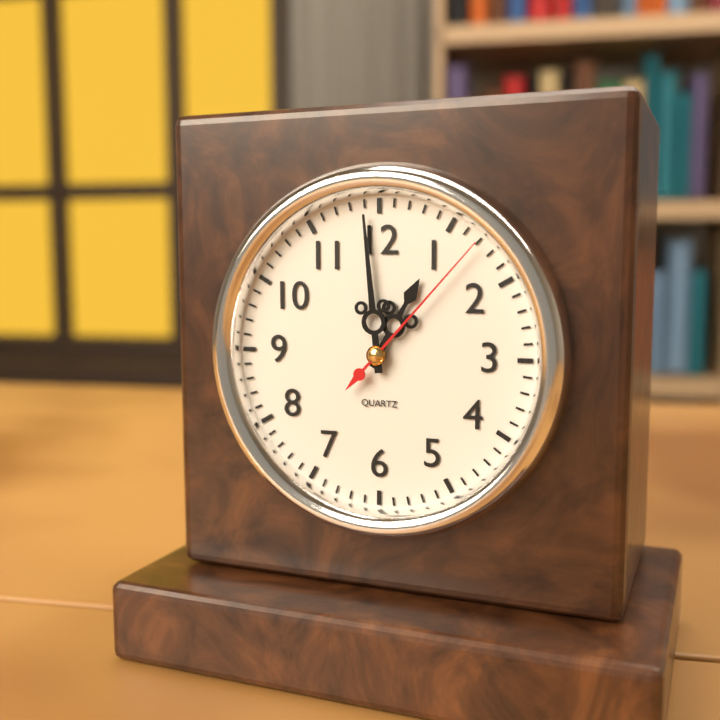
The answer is 12:59:07
